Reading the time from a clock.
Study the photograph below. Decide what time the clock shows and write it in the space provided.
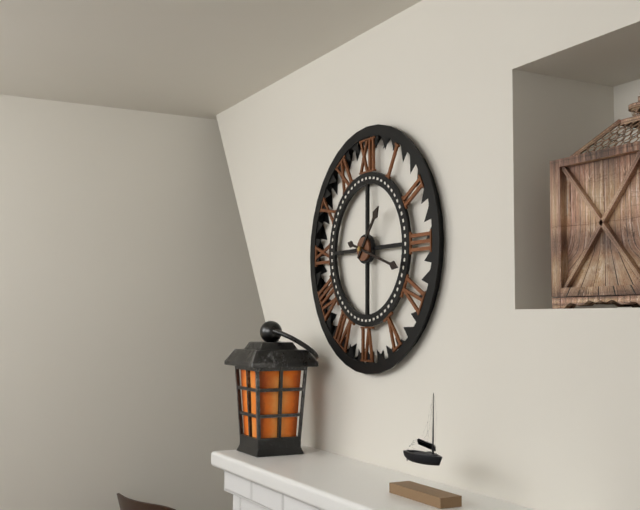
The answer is 1:18
